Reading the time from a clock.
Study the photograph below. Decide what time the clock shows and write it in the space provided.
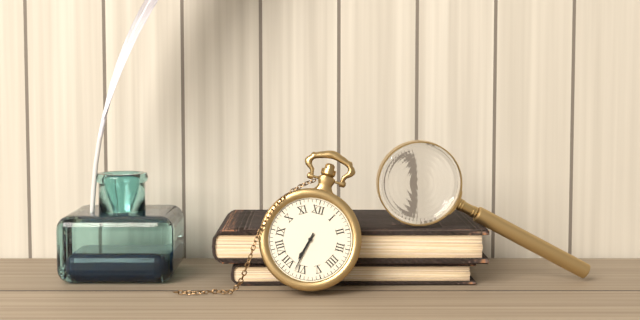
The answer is 6:32
